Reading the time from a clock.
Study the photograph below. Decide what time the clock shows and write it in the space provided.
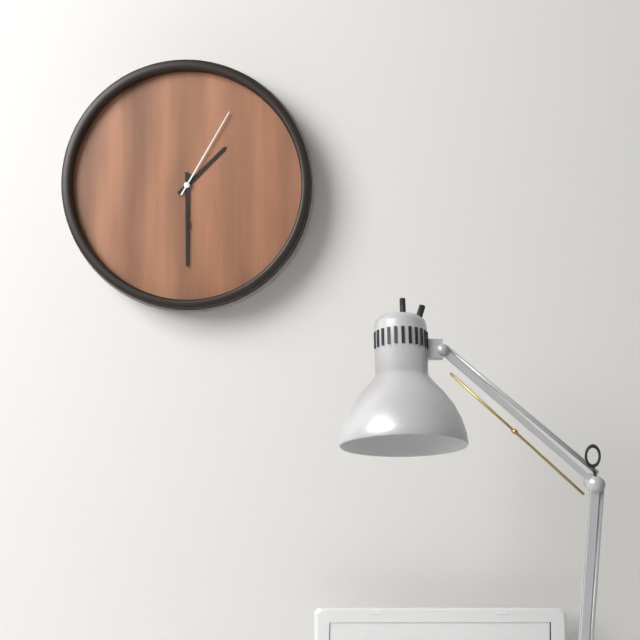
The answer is 1:30:05
